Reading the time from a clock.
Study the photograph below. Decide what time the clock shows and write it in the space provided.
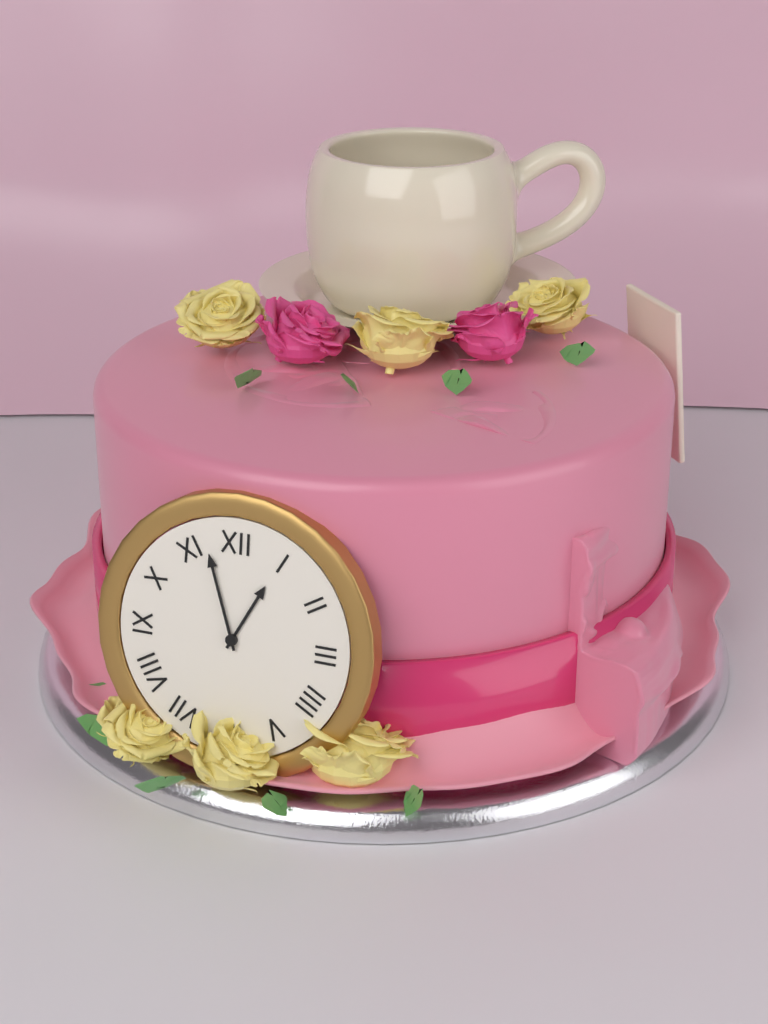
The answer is 12:57
